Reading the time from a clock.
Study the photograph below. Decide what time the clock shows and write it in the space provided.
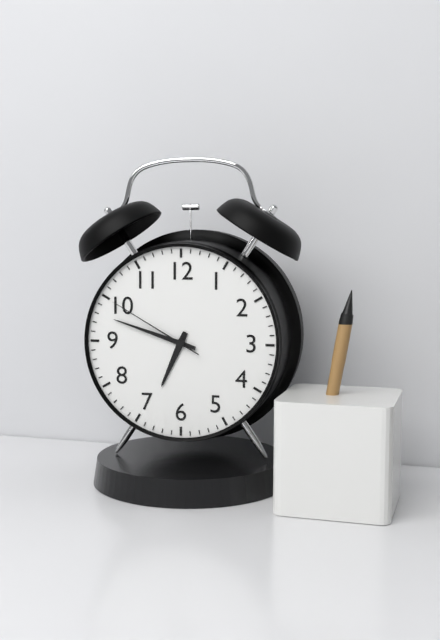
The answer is 6:48:50
